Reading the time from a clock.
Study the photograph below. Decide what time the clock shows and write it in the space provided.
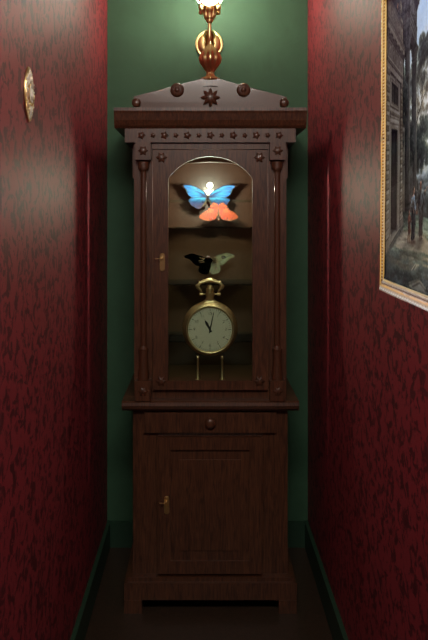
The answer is 11:02
